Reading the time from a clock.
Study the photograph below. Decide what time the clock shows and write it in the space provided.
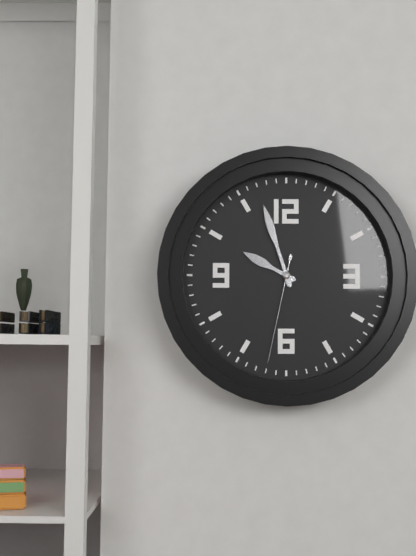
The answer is 9:57:32
